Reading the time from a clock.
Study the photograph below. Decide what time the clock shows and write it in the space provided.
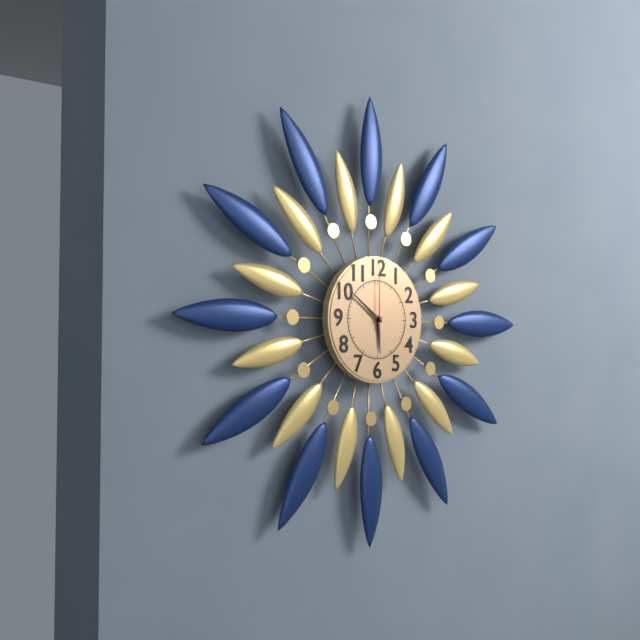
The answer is 5:51:00
